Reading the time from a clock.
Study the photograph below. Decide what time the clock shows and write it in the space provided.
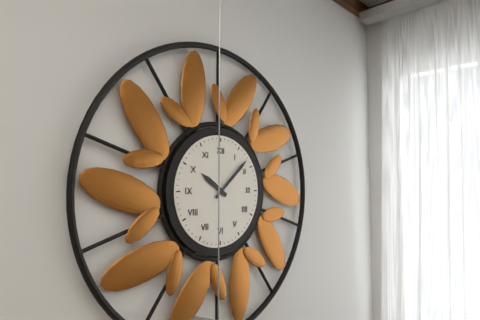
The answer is 10:08
